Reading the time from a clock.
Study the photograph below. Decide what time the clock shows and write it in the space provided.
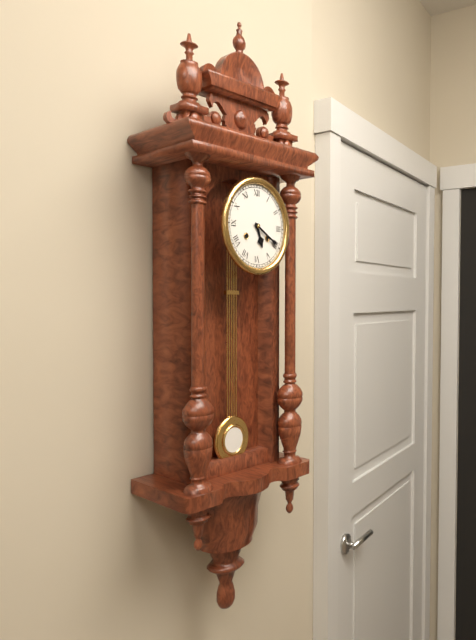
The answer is 5:20
